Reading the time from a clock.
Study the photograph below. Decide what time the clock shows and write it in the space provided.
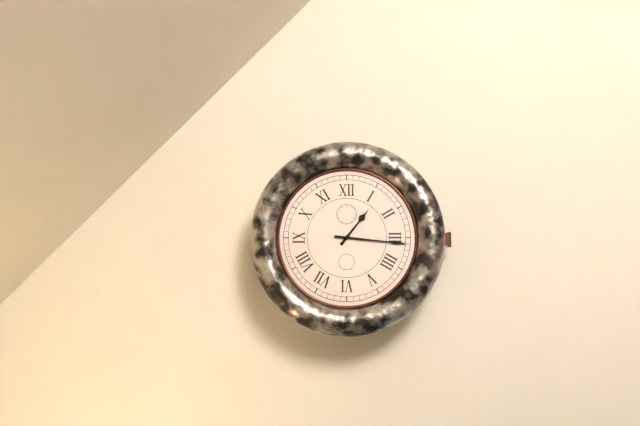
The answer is 1:16
